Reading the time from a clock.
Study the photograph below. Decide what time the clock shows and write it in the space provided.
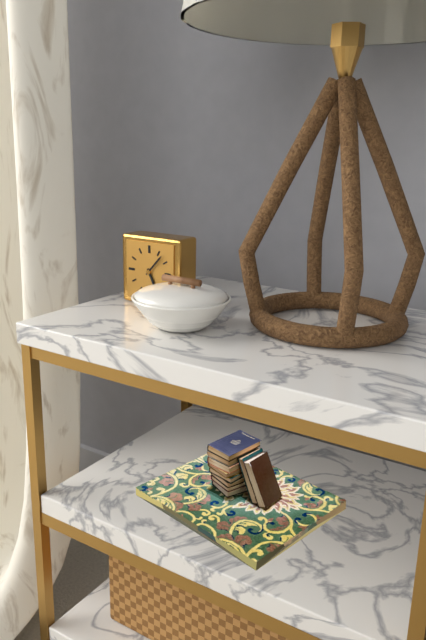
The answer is 5:07
